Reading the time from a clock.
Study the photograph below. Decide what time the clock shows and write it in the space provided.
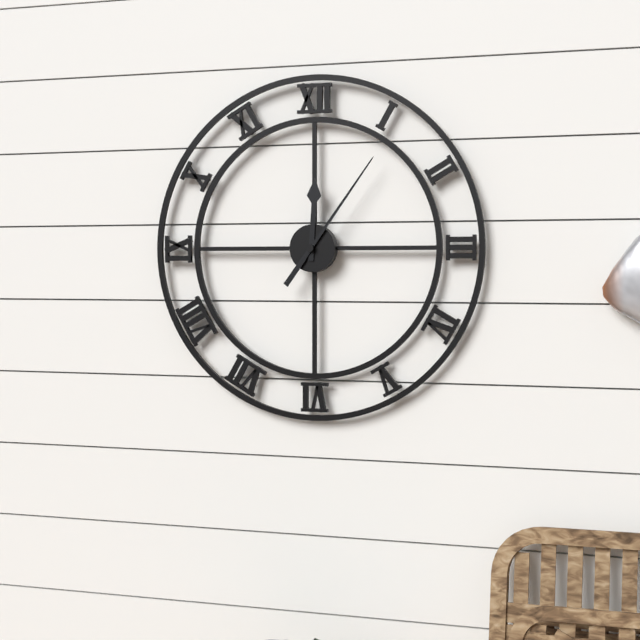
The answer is 12:06
